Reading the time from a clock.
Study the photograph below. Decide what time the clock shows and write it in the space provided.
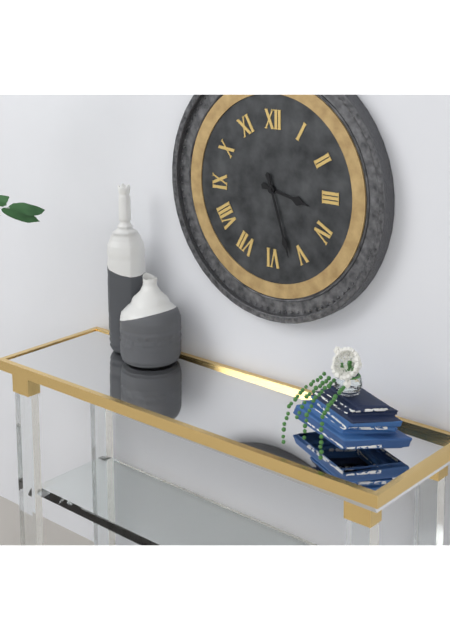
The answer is 3:27
